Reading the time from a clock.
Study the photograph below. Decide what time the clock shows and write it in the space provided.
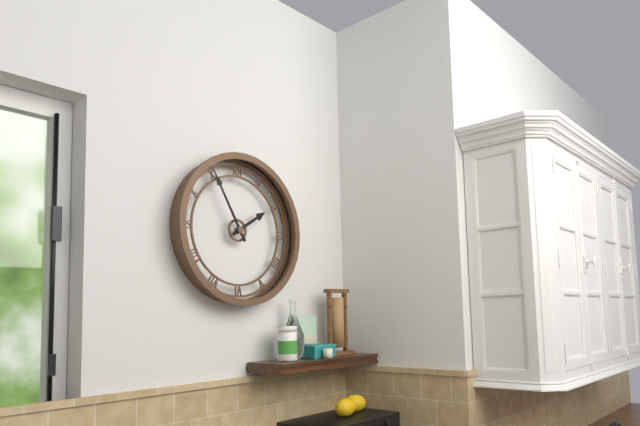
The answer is 1:55
